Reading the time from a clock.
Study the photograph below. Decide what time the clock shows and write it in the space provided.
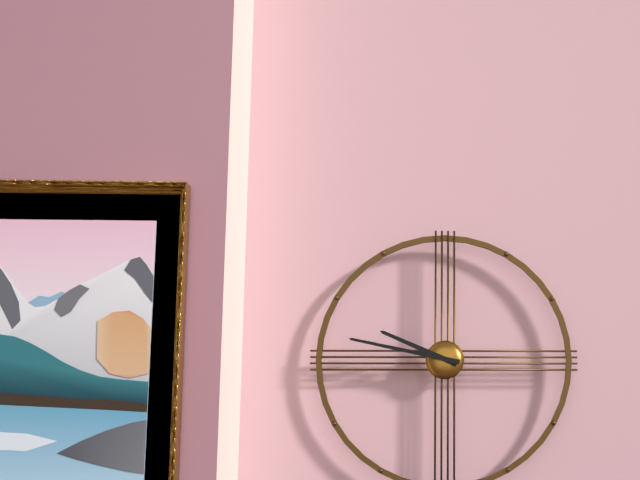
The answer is 9:47
